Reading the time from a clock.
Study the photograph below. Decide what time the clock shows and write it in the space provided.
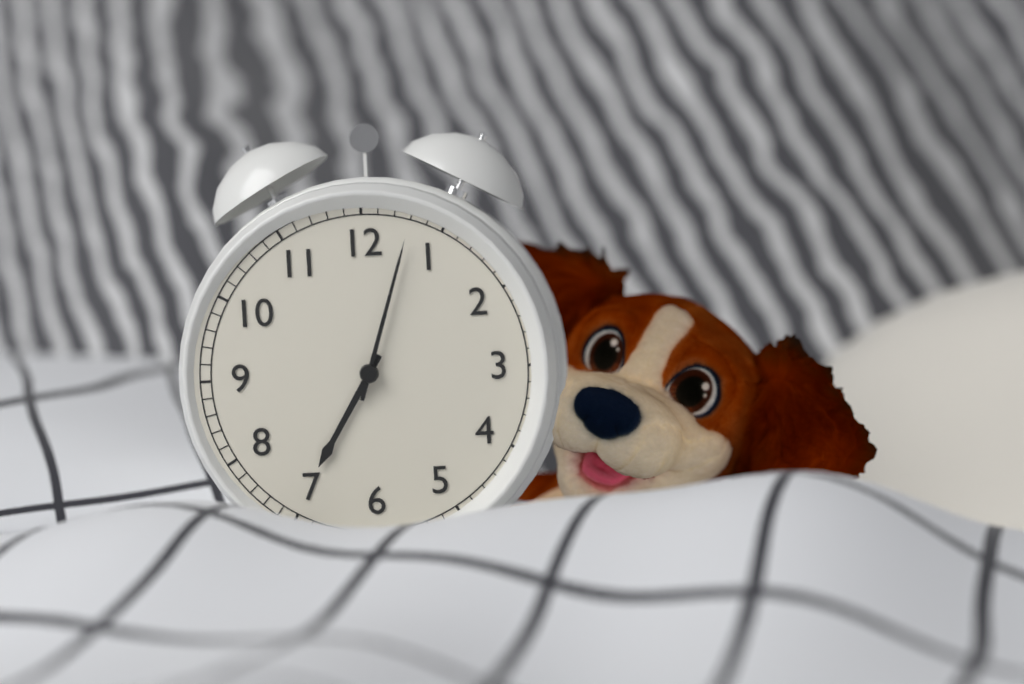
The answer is 7:03
